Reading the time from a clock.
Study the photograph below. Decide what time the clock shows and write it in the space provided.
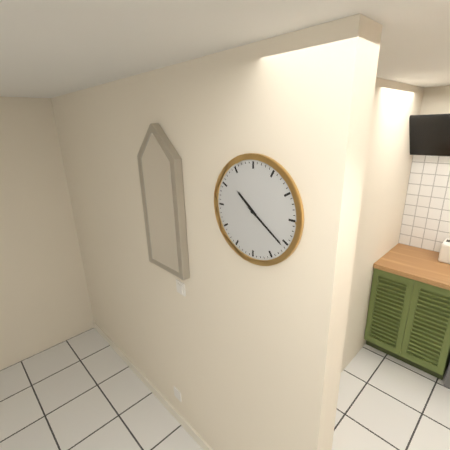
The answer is 10:21
